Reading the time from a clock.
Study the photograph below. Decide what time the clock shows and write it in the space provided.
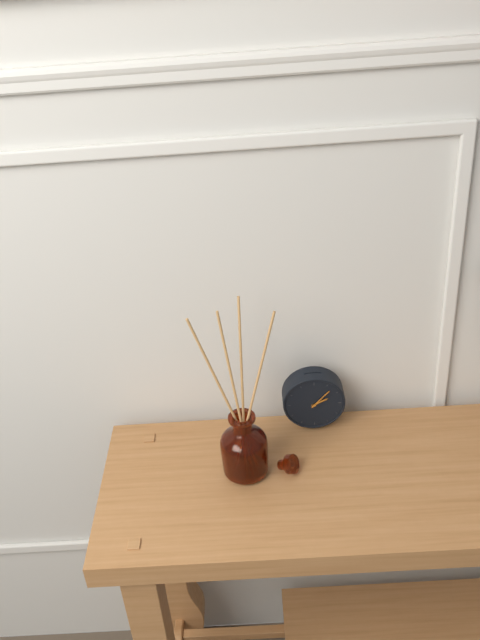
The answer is 2:07
